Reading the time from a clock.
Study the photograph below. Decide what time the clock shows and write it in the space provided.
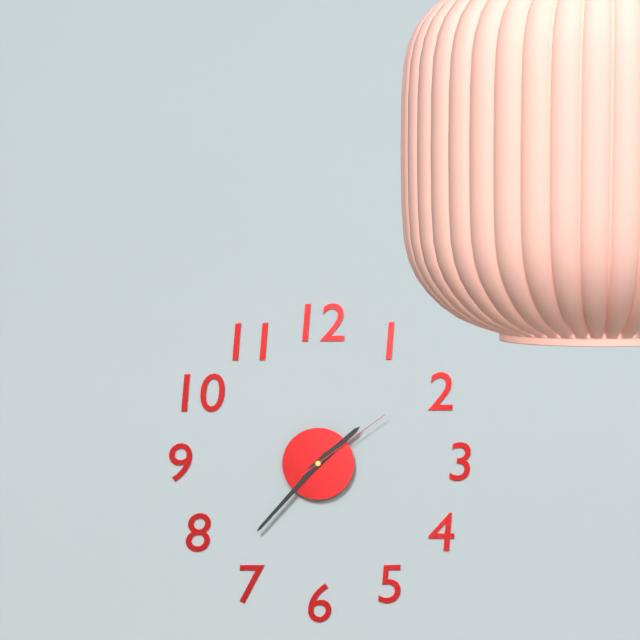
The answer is 1:37:09
